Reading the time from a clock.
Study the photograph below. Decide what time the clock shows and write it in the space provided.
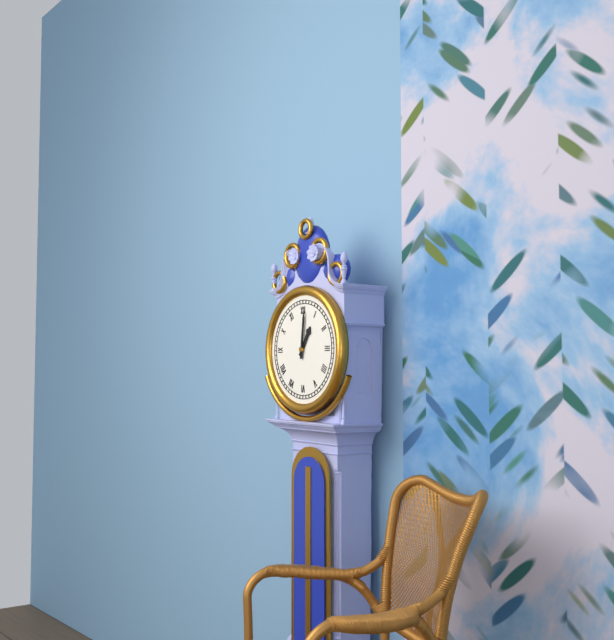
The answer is 1:01
